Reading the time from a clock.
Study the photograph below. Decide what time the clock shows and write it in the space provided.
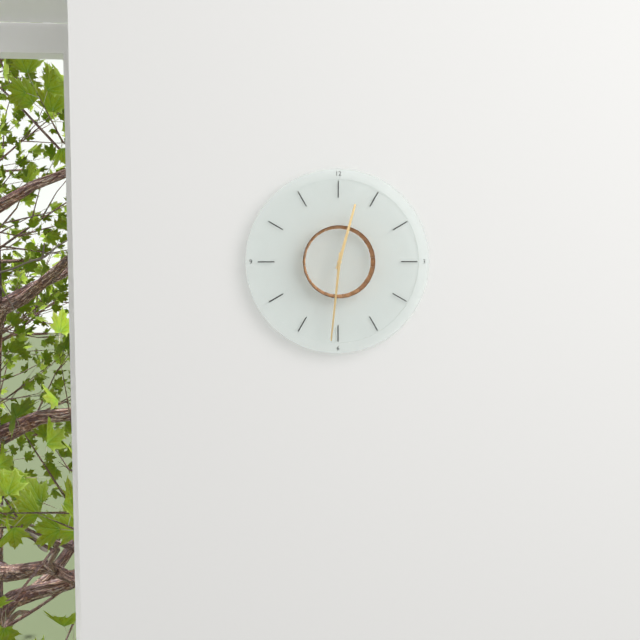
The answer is 12:31
